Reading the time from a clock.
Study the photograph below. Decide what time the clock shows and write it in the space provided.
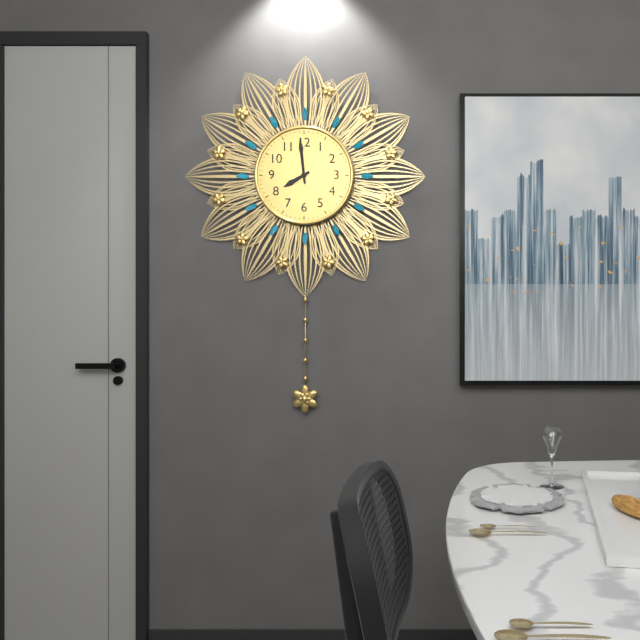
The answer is 7:59
